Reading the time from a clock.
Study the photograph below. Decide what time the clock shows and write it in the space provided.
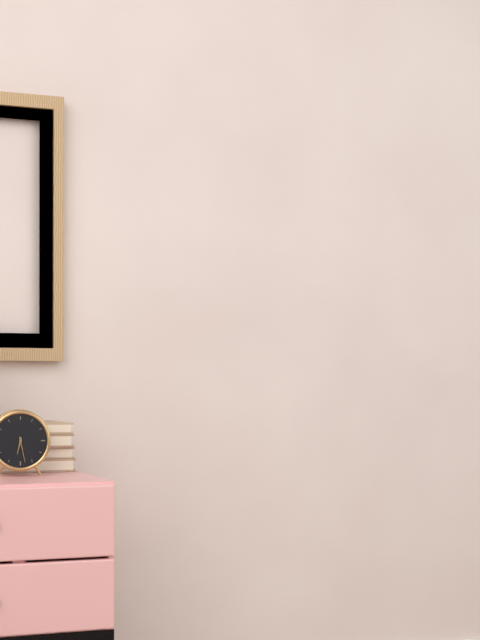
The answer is 6:28
